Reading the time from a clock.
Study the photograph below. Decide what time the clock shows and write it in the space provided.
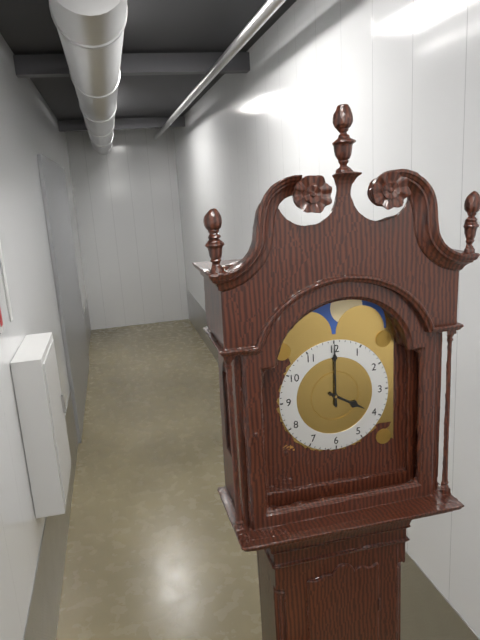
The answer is 4:00
